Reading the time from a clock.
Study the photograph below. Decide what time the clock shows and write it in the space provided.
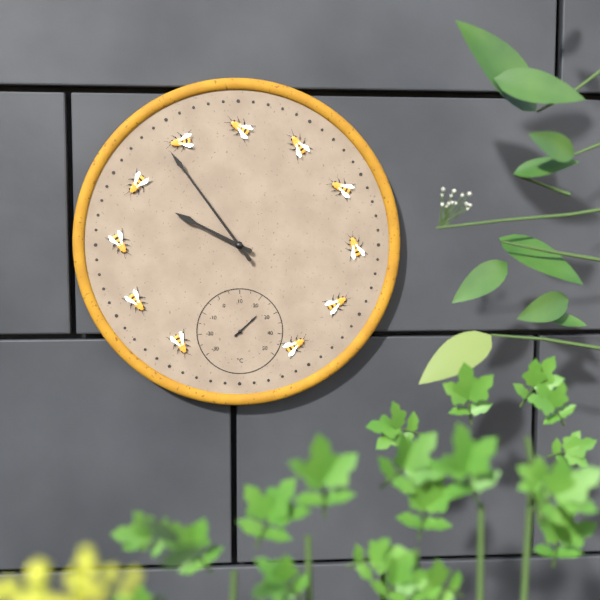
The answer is 9:54
